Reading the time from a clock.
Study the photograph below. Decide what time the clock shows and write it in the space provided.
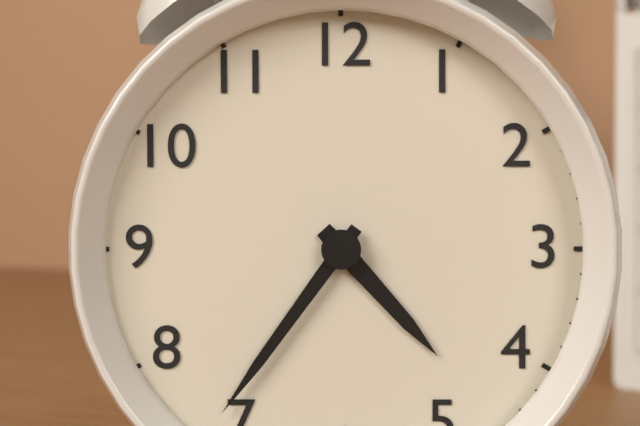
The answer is 4:36
